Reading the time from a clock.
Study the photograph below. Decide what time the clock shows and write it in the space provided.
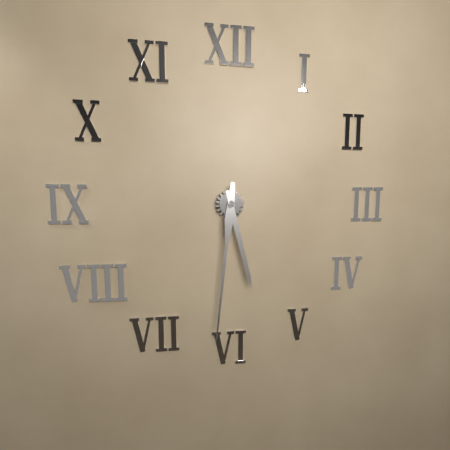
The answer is 5:31
